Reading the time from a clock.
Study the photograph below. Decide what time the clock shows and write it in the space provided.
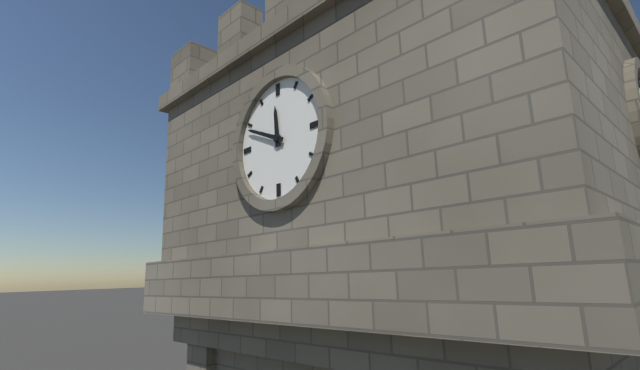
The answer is 11:49
